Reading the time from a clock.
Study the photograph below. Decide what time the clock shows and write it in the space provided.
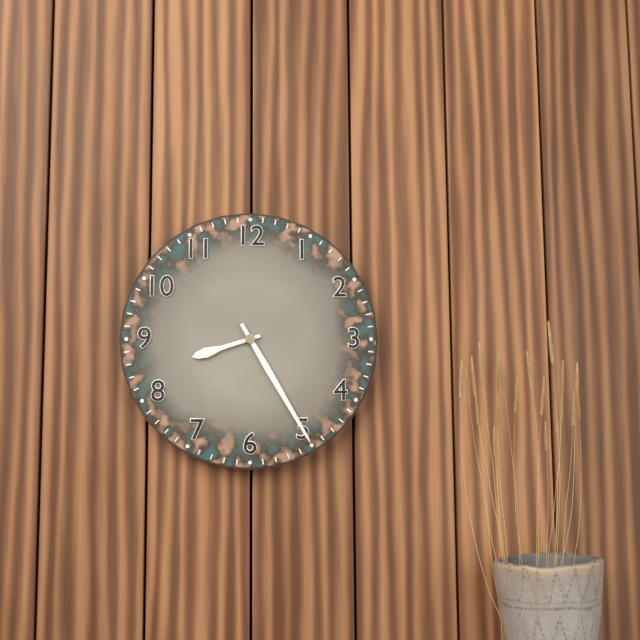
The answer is 8:25
